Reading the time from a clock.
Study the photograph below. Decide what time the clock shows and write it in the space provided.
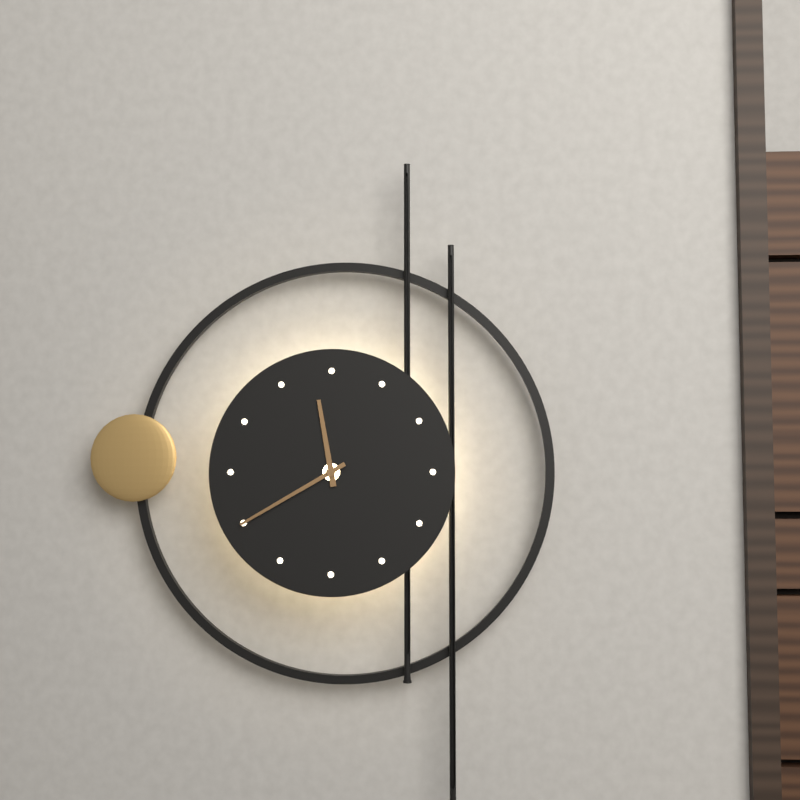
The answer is 11:40
